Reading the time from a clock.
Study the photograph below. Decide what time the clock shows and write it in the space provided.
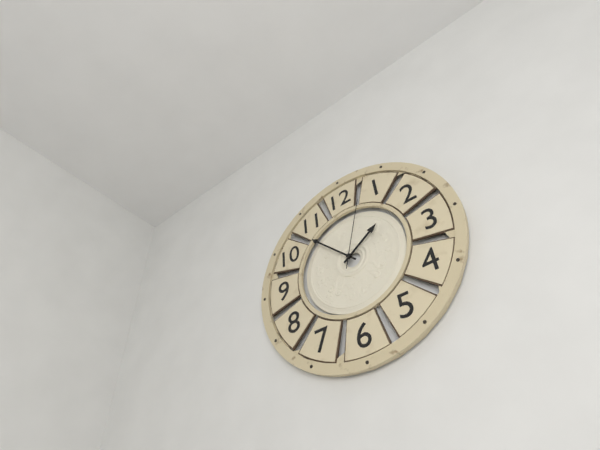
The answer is 1:53:03
